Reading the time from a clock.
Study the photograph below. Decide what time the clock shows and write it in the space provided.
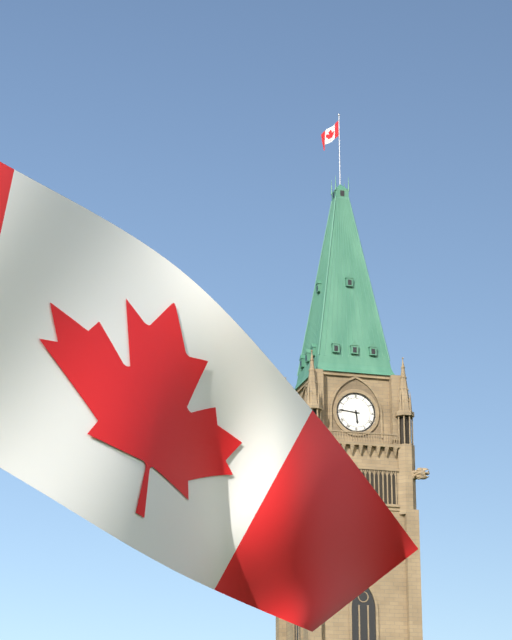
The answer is 5:46
